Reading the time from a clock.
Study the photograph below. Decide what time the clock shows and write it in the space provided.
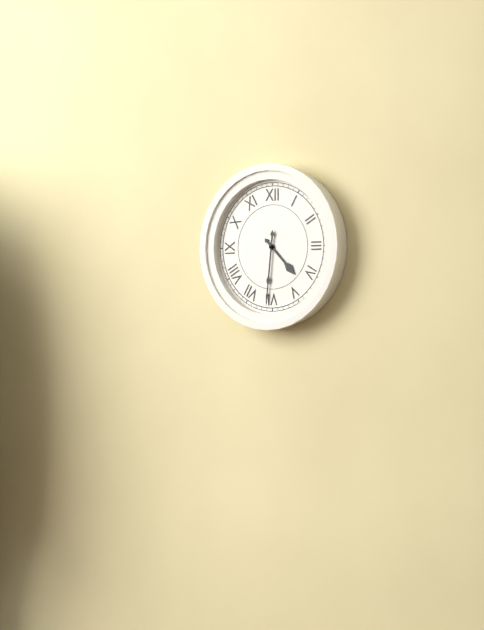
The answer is 4:31
